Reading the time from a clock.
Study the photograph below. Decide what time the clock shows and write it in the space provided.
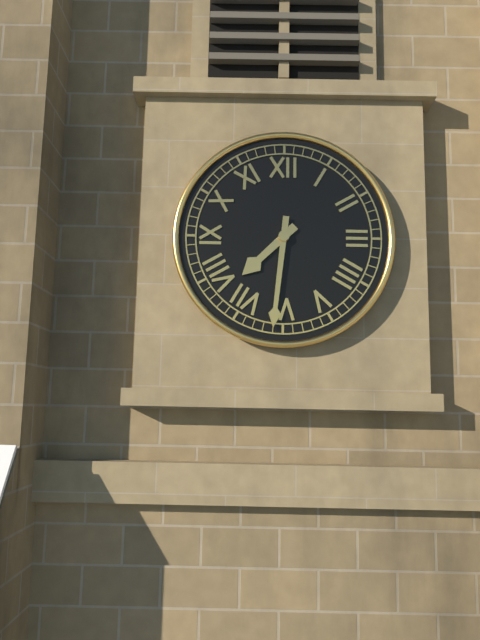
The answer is 7:31
